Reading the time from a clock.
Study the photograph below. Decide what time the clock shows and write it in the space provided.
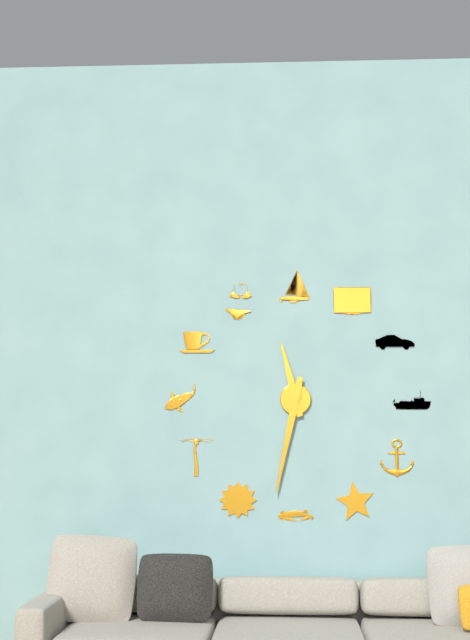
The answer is 11:32
